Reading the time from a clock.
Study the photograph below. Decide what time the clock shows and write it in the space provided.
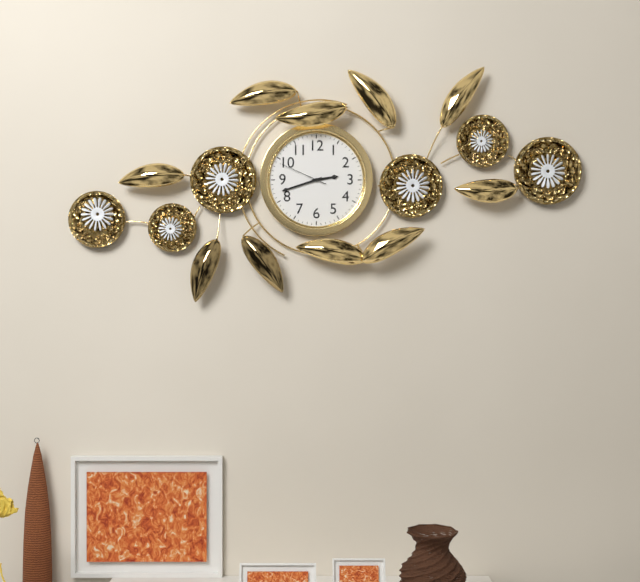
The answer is 2:42:49
